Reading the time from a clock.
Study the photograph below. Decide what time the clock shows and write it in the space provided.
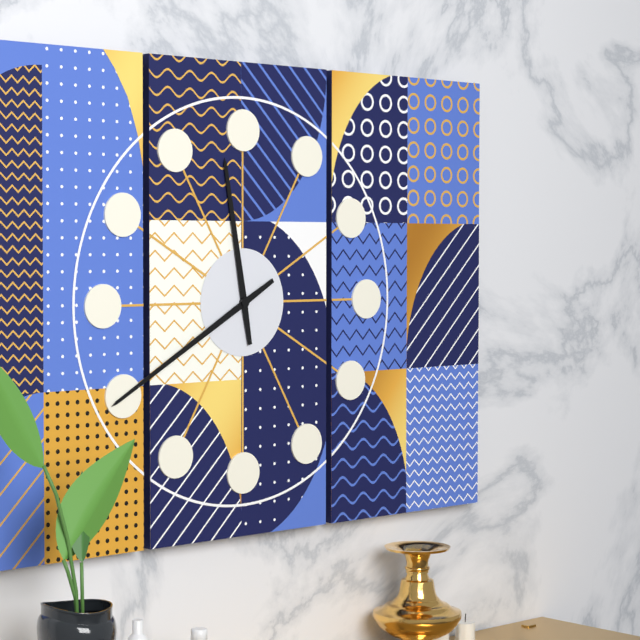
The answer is 11:40
